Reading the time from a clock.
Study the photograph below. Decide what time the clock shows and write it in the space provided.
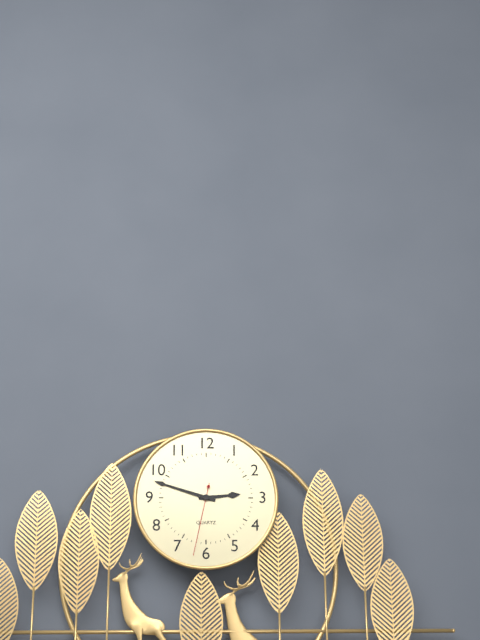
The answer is 2:48:32
